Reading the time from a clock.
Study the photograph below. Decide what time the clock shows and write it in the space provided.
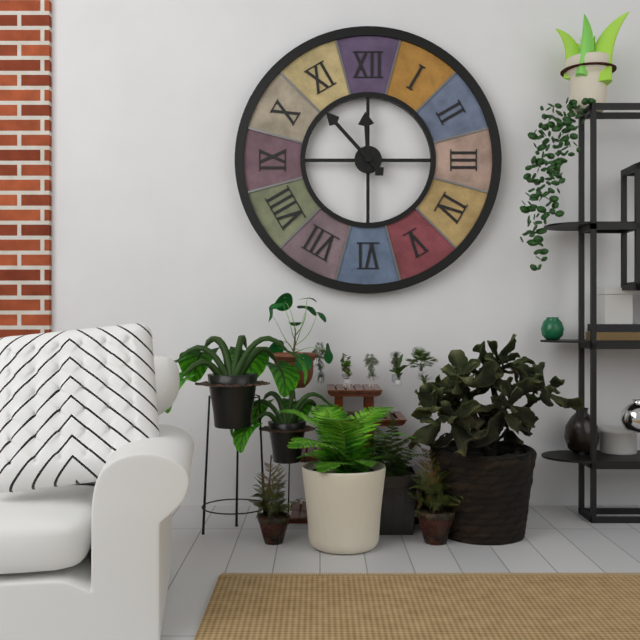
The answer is 11:53
